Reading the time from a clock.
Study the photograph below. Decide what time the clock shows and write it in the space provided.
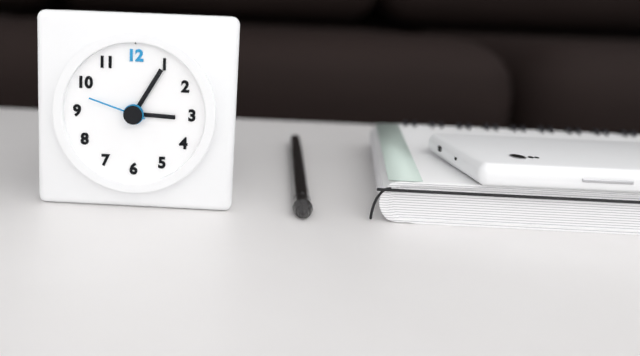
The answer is 3:05:48
